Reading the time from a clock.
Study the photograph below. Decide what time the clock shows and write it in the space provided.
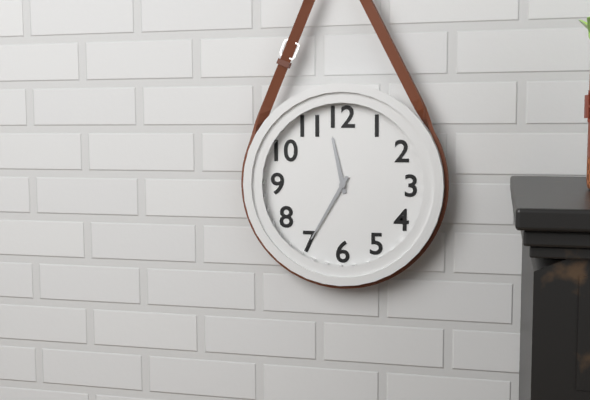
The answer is 11:35
